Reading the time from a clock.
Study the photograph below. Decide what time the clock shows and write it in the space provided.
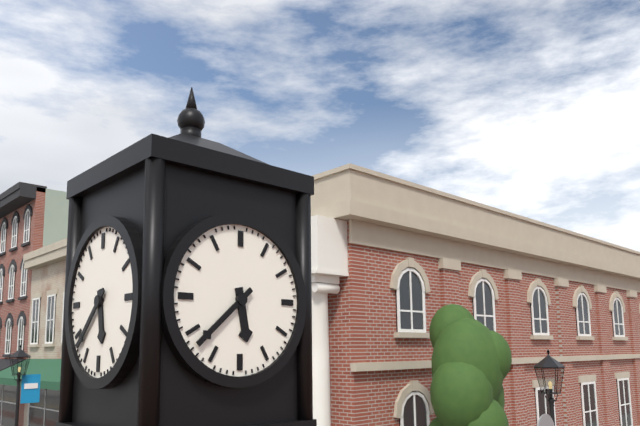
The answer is 5:38
